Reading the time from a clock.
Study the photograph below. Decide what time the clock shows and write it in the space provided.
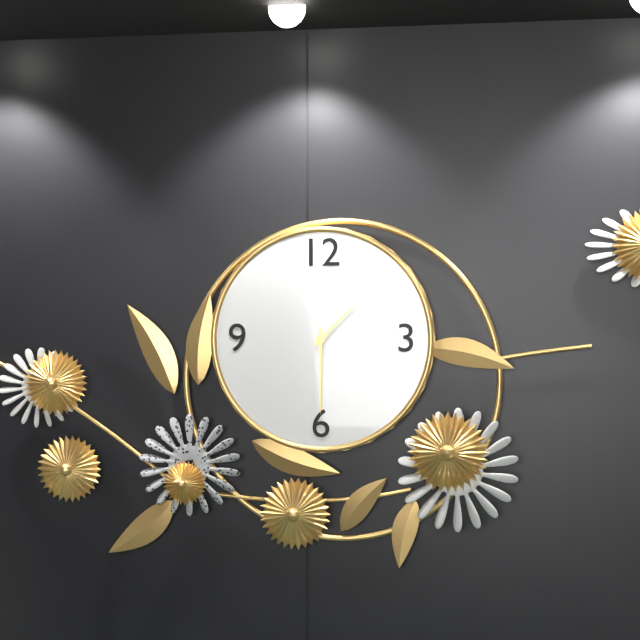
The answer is 1:30
